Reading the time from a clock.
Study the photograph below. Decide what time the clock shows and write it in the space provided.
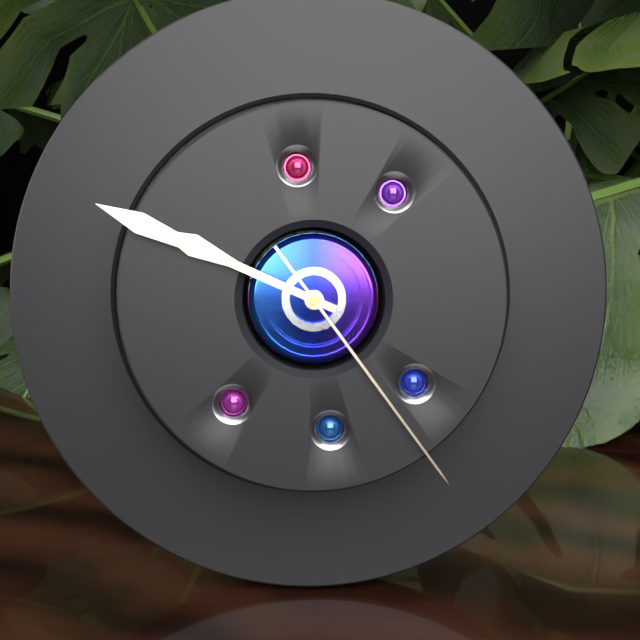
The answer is 9:49:24
